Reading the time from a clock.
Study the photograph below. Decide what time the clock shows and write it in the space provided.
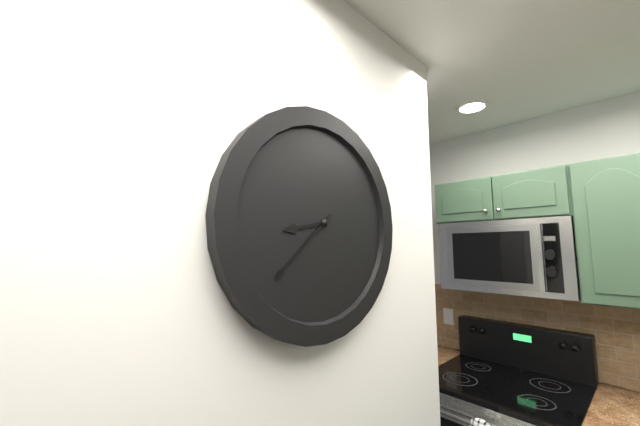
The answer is 8:38
